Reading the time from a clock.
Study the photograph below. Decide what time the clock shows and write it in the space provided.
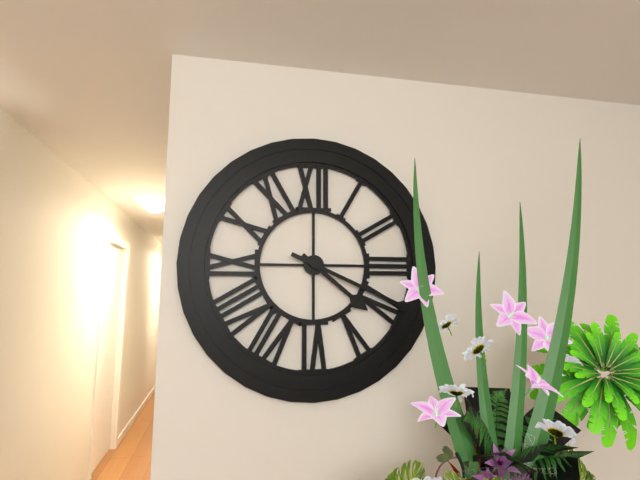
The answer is 4:19
